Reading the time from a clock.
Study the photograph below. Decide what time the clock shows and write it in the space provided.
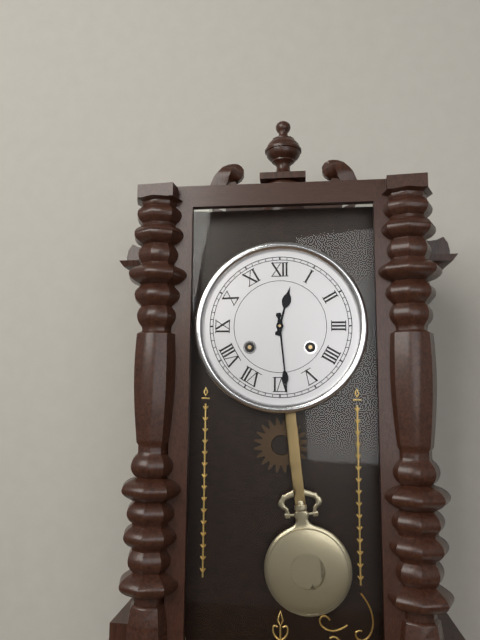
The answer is 12:29
